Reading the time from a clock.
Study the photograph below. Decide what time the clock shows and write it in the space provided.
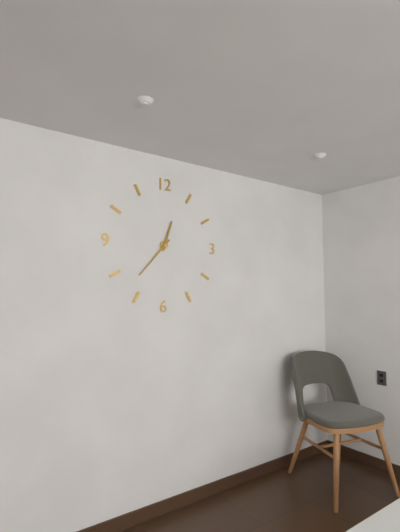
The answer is 12:37
